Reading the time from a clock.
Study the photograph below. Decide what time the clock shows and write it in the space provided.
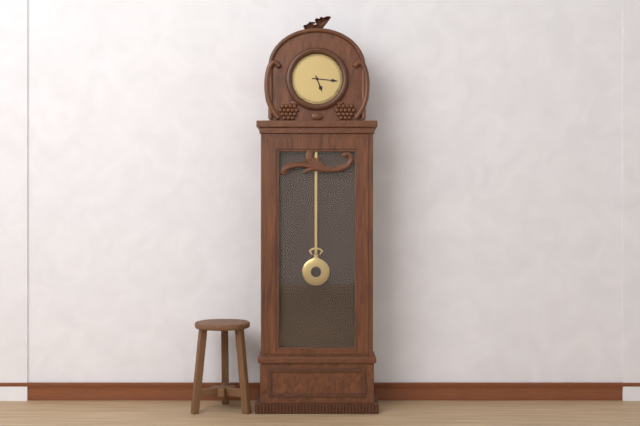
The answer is 5:16
